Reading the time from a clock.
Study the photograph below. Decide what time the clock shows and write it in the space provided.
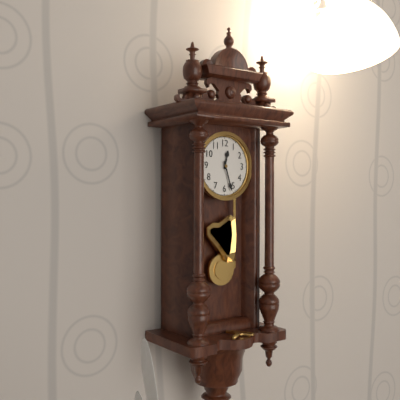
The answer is 12:27
